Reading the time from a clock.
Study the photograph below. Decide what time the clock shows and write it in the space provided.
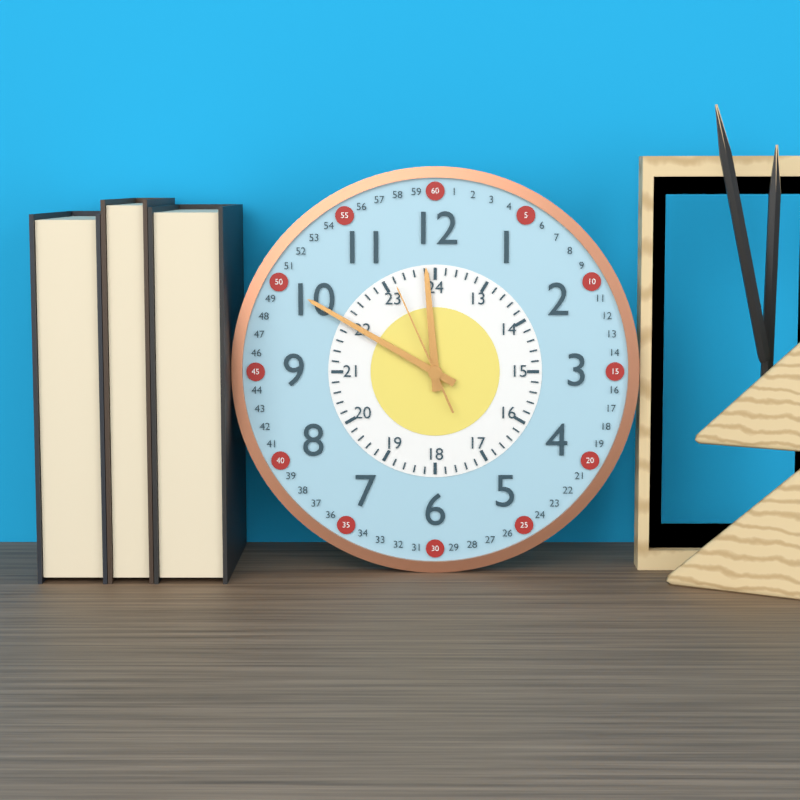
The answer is 11:50:56
